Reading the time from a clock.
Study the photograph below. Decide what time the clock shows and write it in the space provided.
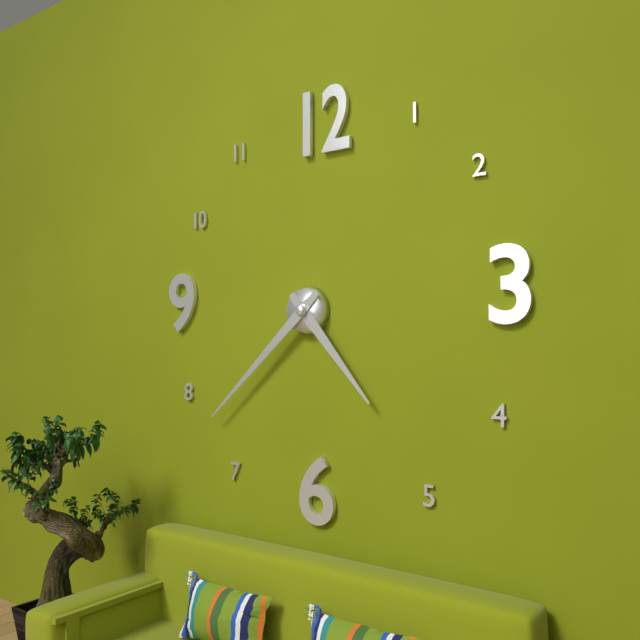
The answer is 4:38
